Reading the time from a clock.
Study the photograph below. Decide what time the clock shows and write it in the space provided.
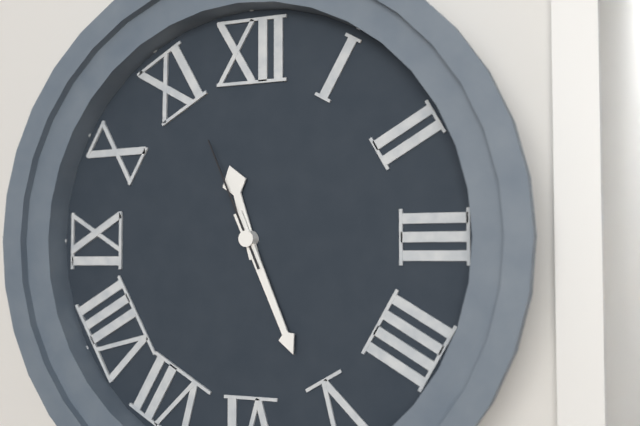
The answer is 11:26:56
